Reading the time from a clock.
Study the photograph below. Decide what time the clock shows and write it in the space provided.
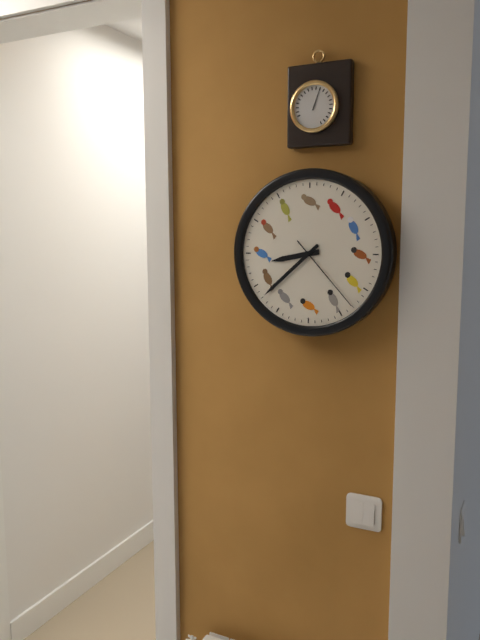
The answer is 8:38:23
